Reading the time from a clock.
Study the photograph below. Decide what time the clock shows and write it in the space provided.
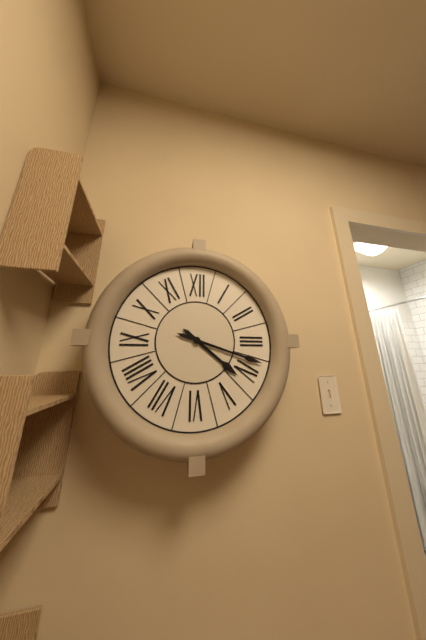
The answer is 4:18
